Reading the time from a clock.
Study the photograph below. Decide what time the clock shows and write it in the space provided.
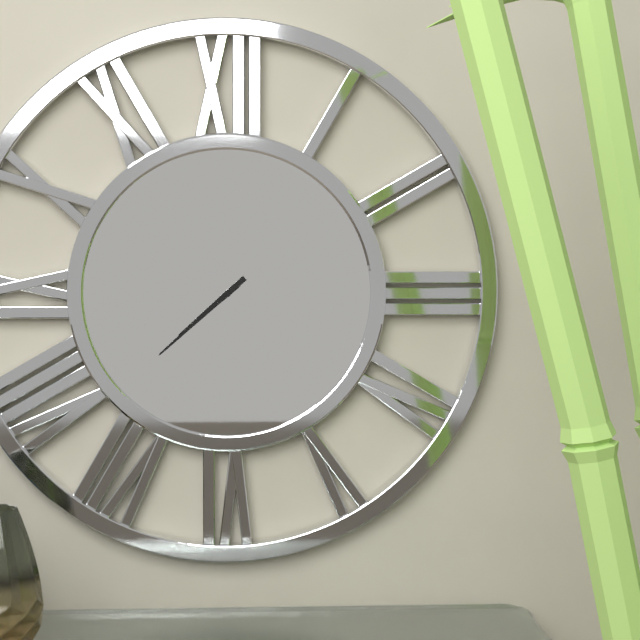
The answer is 7:38
